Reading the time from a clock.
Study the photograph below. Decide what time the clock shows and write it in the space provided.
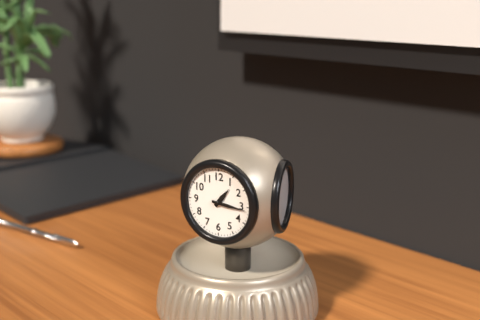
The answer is 1:16
